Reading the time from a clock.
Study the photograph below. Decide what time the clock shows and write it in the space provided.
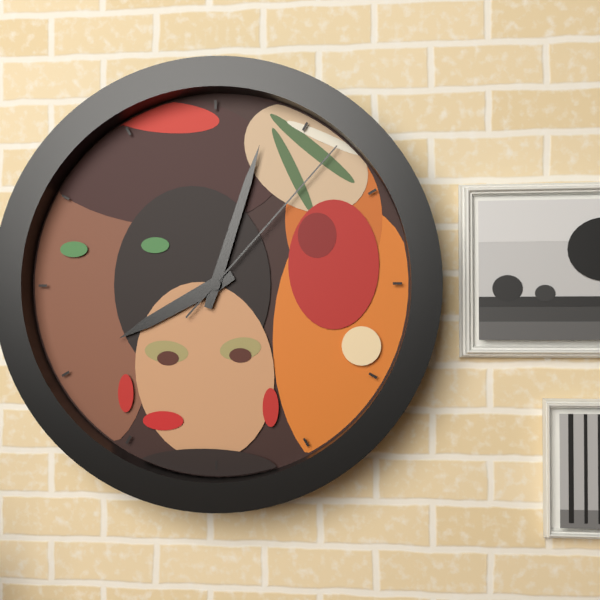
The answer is 8:03:07
